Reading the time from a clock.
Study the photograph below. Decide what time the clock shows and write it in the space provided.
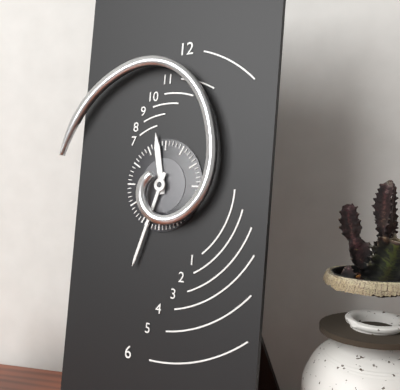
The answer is 11:33
